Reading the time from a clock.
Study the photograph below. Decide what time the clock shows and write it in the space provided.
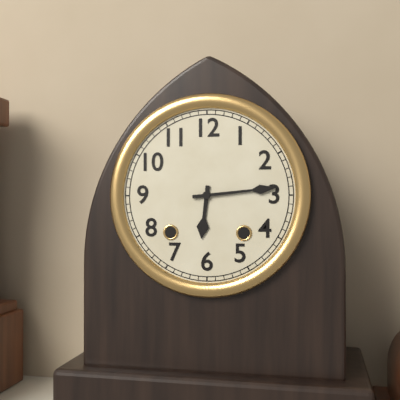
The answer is 6:14
